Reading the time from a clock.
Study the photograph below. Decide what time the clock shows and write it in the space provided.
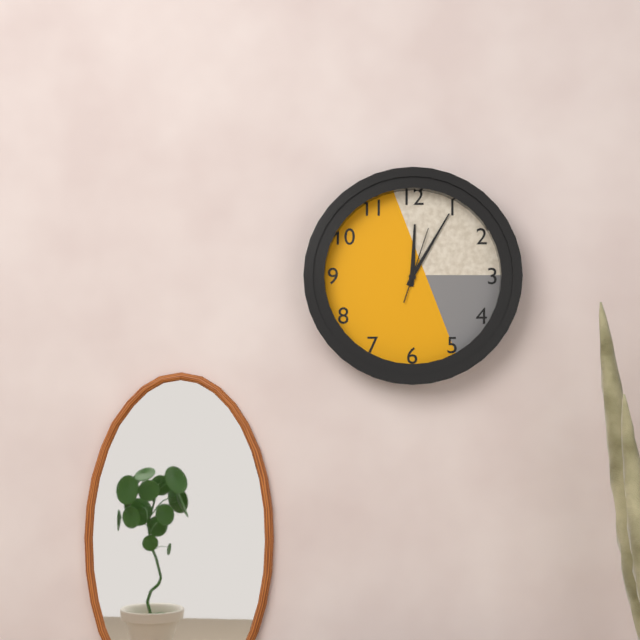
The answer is 12:05:03
